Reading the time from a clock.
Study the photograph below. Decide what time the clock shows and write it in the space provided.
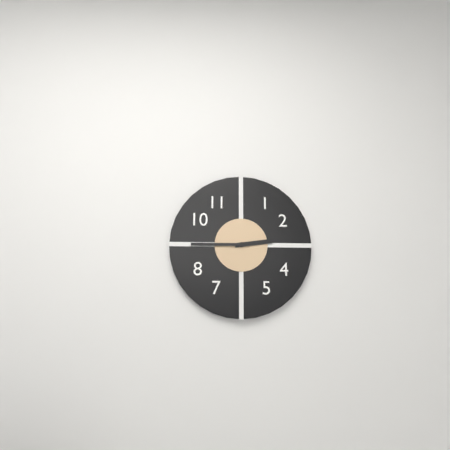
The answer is 2:45
